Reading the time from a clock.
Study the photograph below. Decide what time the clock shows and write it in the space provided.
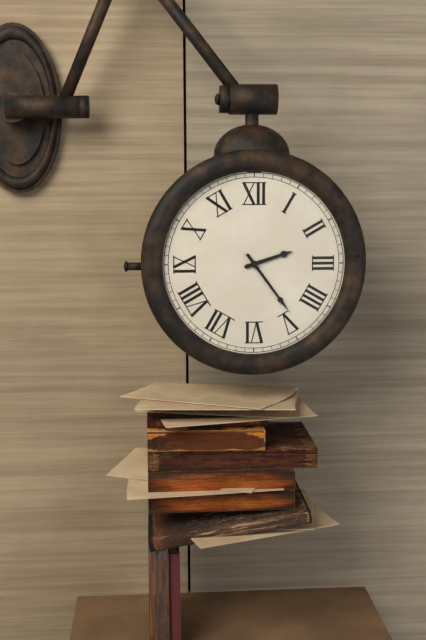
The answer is 2:24
